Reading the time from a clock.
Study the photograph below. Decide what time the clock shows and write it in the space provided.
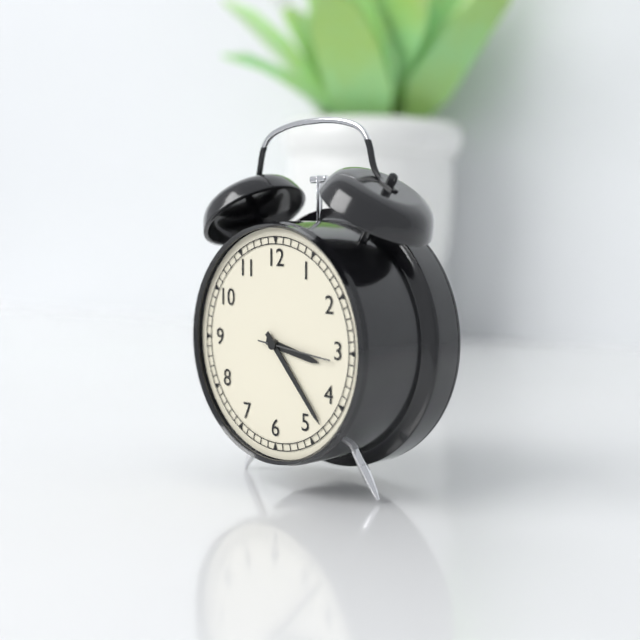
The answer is 3:23:16
